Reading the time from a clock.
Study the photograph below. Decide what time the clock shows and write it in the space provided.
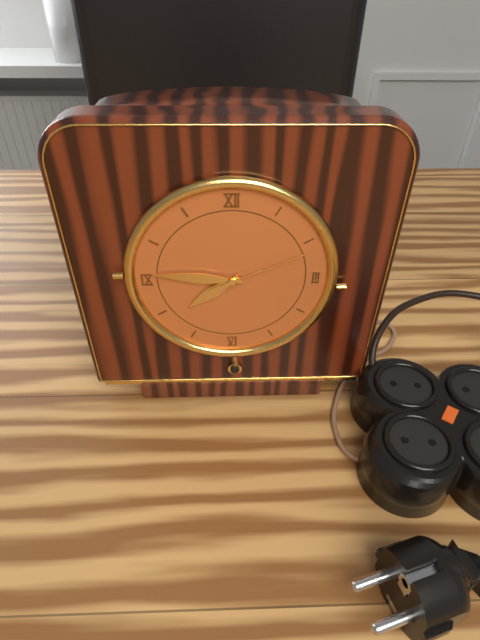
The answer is 7:46:11
